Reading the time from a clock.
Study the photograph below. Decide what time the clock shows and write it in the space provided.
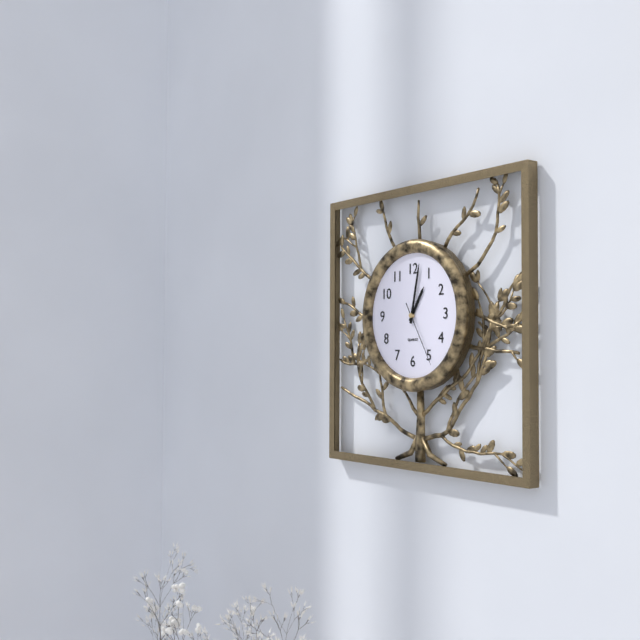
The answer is 1:02:25
